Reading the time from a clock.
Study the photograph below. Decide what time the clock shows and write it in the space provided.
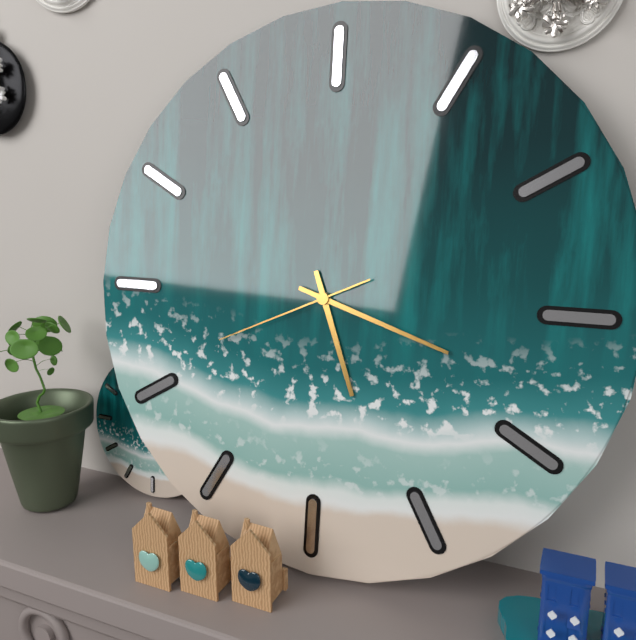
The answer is 5:18:41
